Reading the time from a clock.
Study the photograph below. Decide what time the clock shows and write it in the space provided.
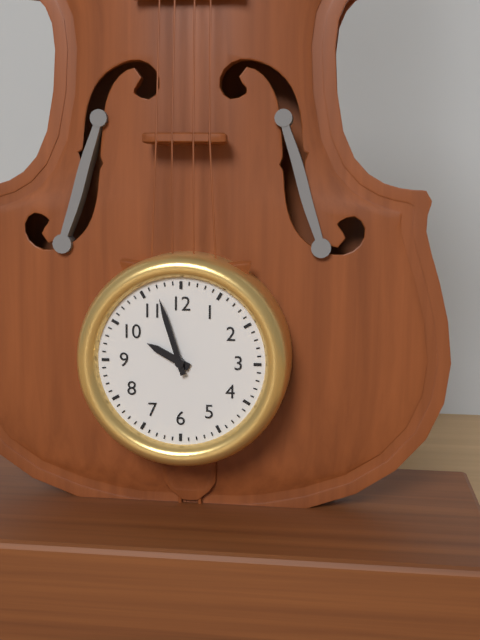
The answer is 9:57
